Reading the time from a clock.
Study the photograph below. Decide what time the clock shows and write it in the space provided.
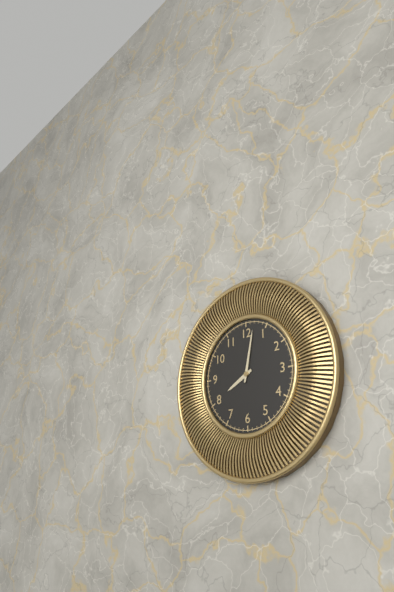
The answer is 8:02
